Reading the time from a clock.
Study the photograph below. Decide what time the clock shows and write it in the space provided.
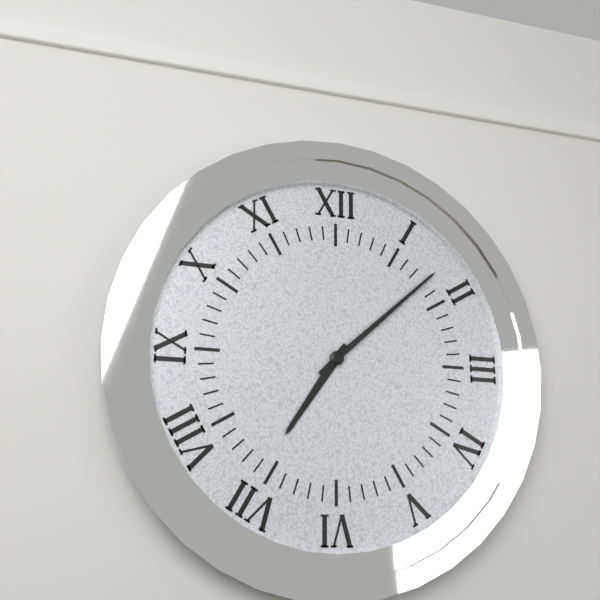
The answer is 7:08
